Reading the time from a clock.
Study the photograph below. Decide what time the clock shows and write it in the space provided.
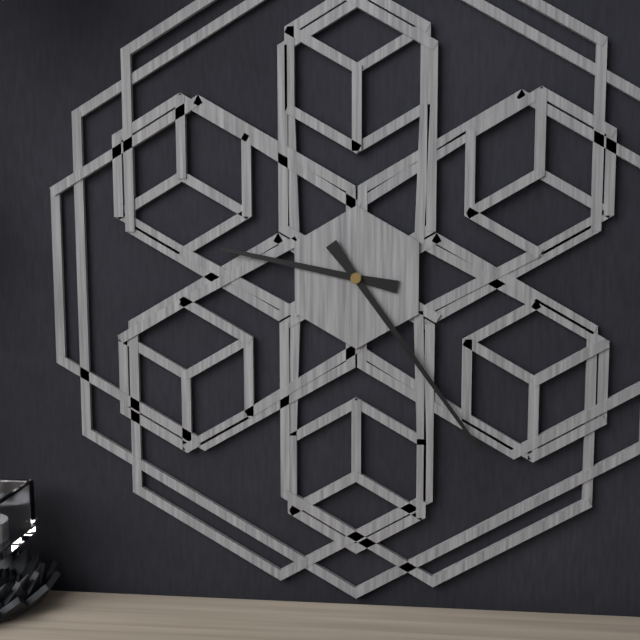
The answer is 9:24
